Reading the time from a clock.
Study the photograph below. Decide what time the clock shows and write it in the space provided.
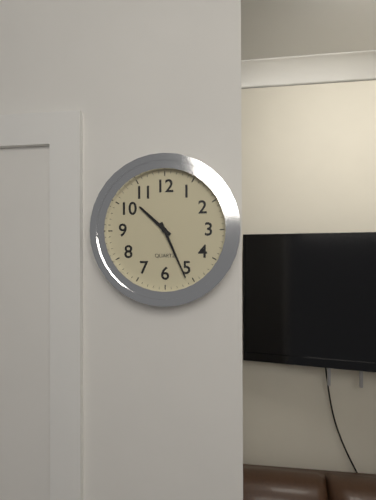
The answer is 10:26
